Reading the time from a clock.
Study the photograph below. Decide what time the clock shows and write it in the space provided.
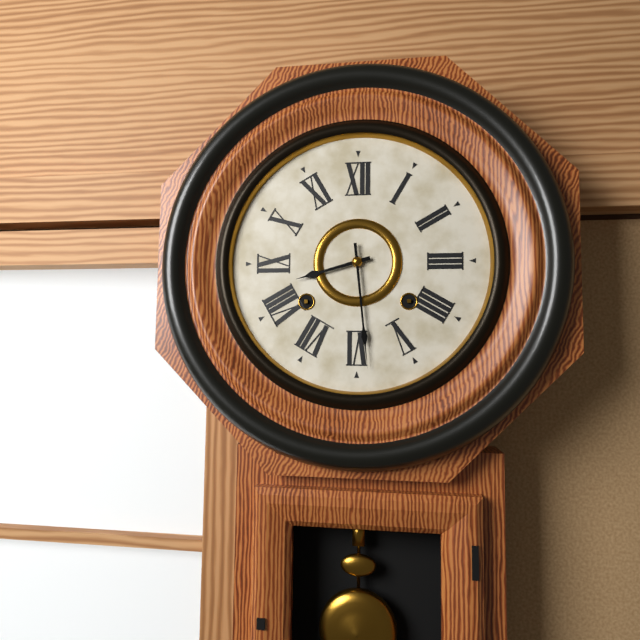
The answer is 8:29
